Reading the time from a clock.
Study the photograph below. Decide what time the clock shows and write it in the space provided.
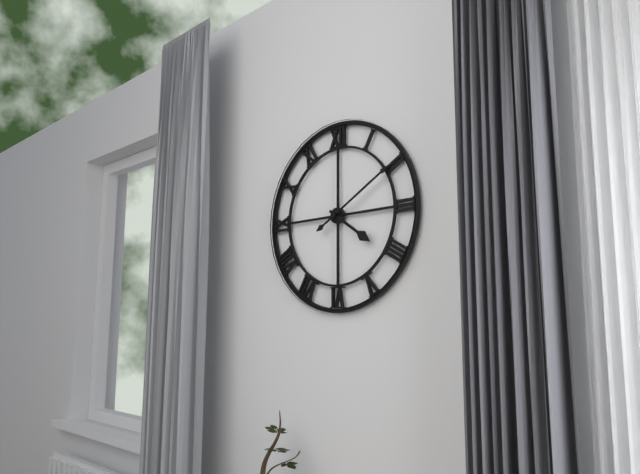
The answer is 4:10
